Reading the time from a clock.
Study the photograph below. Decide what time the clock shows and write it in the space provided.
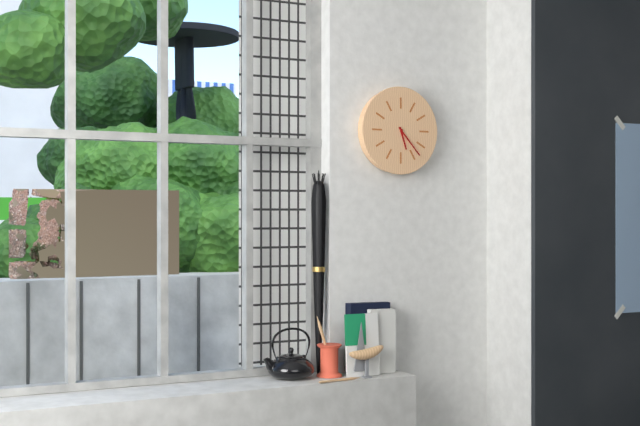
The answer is 5:23
